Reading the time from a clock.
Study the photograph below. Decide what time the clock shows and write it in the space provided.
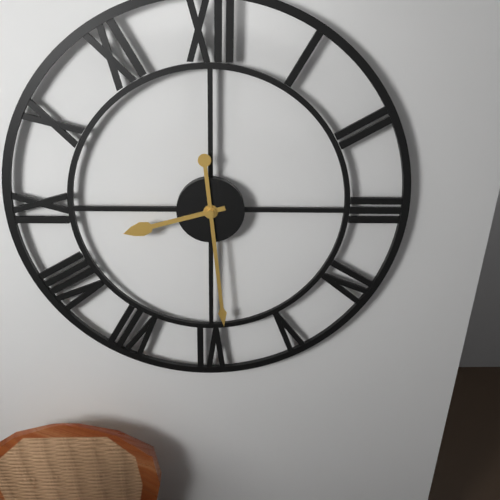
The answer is 8:29
